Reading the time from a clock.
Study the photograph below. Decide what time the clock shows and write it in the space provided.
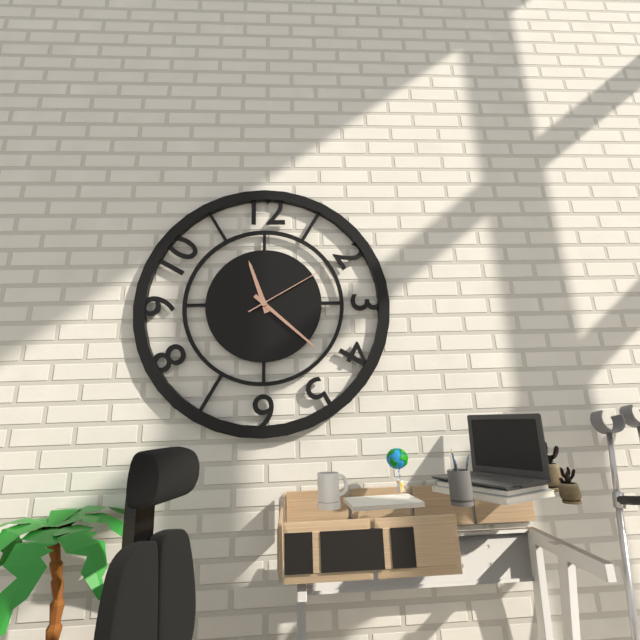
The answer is 11:22:10
